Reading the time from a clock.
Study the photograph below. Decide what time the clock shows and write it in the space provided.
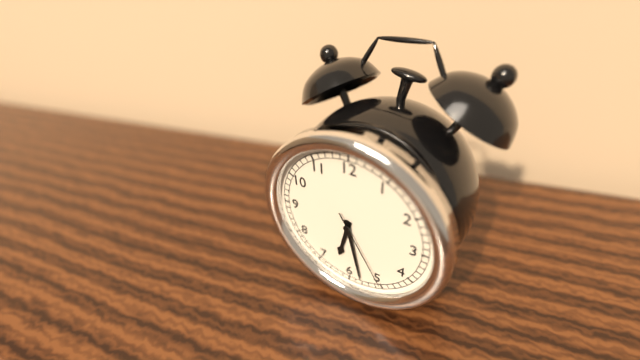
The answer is 6:28:25
